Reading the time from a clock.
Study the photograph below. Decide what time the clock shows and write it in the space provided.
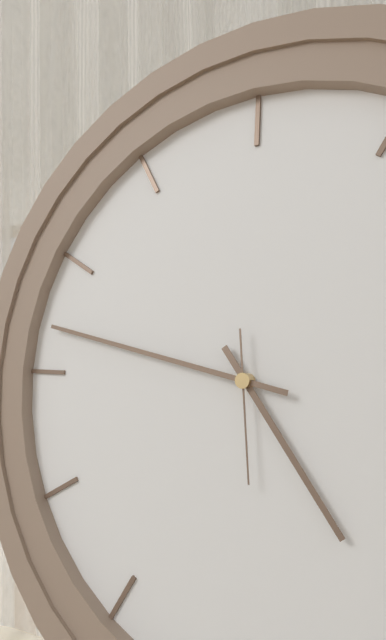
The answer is 4:47:29
